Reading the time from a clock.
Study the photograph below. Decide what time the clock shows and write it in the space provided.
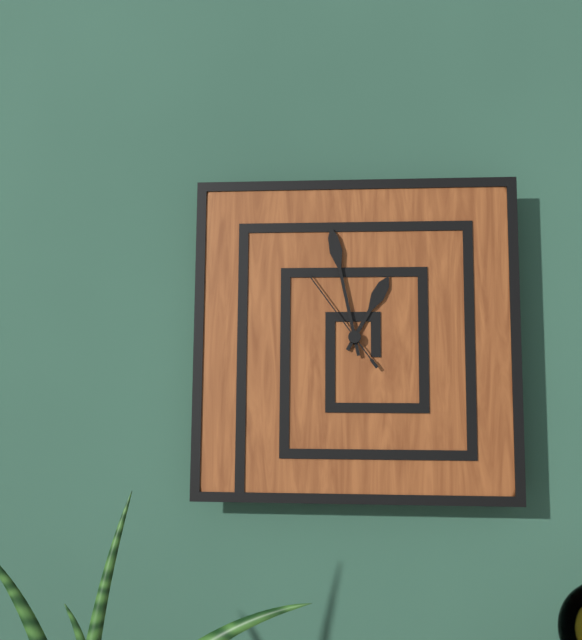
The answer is 12:58:54
